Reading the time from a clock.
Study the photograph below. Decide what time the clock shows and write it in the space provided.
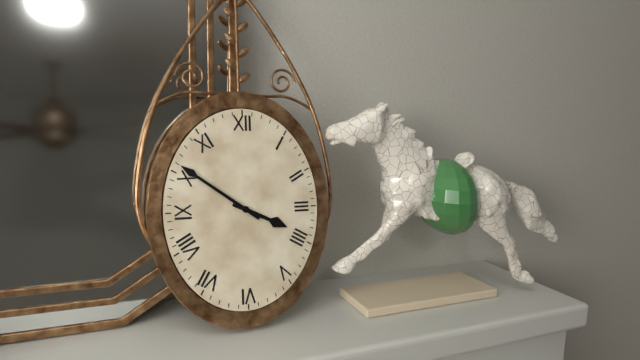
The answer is 3:51
